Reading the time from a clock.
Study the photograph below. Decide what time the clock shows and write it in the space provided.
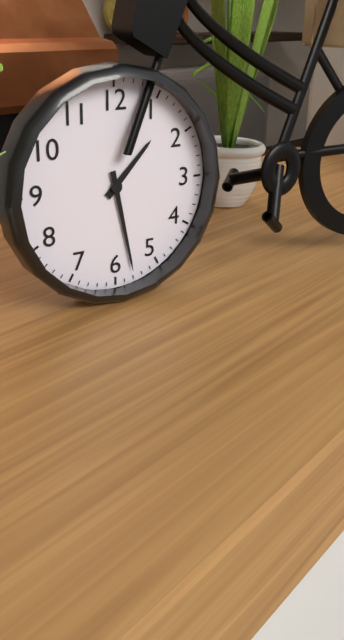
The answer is 1:28
